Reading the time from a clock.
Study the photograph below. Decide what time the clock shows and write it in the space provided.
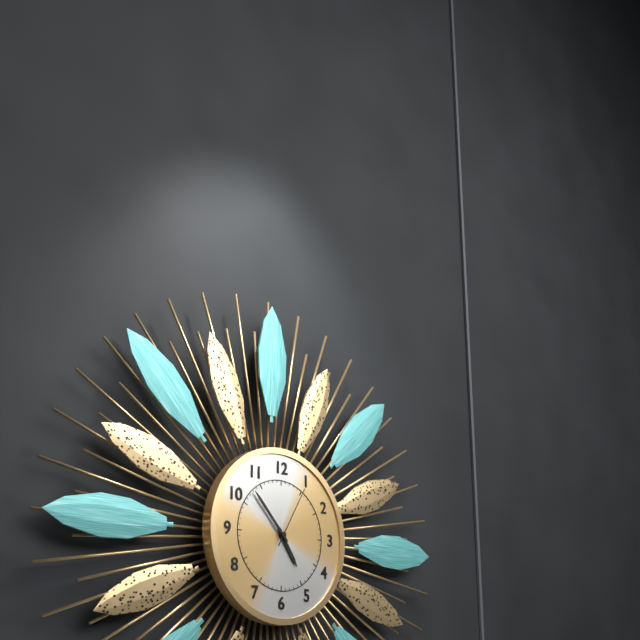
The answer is 4:53:05
